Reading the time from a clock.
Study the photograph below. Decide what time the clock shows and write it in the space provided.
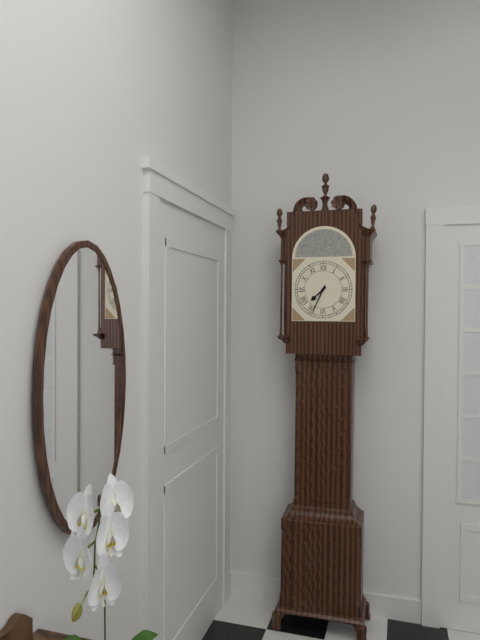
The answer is 7:34
